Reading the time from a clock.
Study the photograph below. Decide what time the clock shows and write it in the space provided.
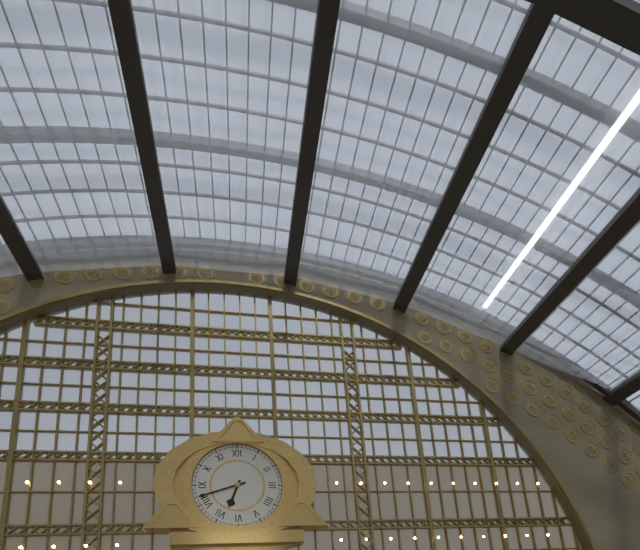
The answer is 6:42
